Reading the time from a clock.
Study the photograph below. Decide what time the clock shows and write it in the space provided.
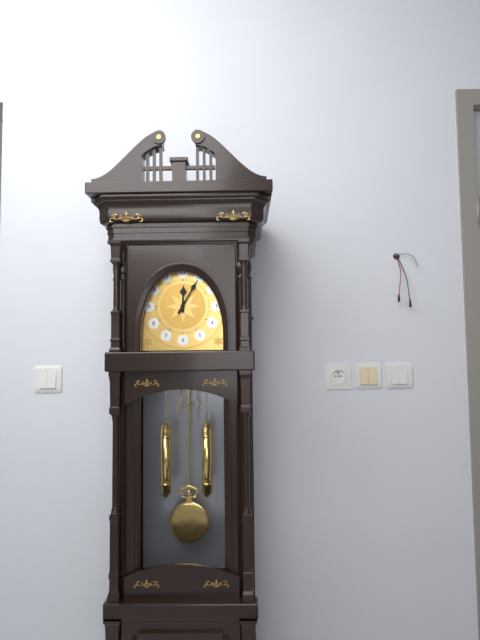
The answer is 12:05
